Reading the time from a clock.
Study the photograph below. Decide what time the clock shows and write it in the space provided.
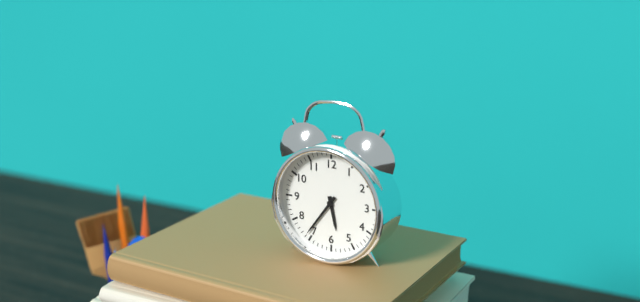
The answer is 5:36
